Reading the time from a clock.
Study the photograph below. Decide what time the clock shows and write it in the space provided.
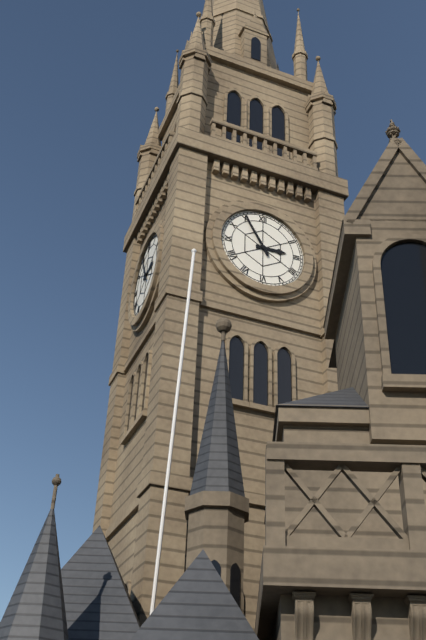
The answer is 2:55
